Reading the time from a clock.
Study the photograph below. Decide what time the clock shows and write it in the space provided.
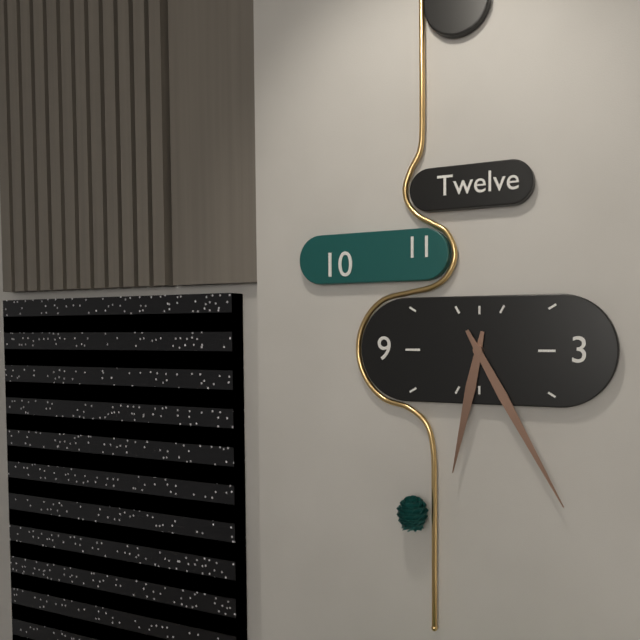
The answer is 6:25
